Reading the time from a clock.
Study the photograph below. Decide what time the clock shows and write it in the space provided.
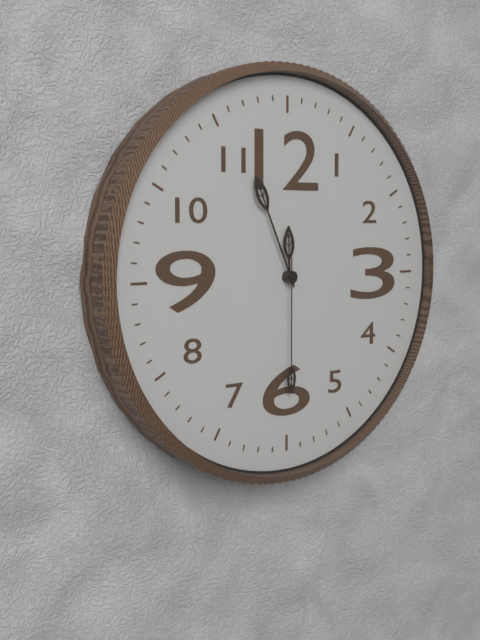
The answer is 11:56:30
